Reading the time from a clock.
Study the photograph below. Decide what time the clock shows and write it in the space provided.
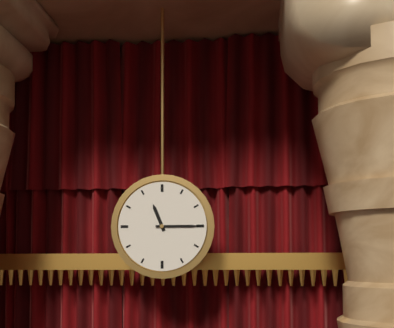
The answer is 11:15
